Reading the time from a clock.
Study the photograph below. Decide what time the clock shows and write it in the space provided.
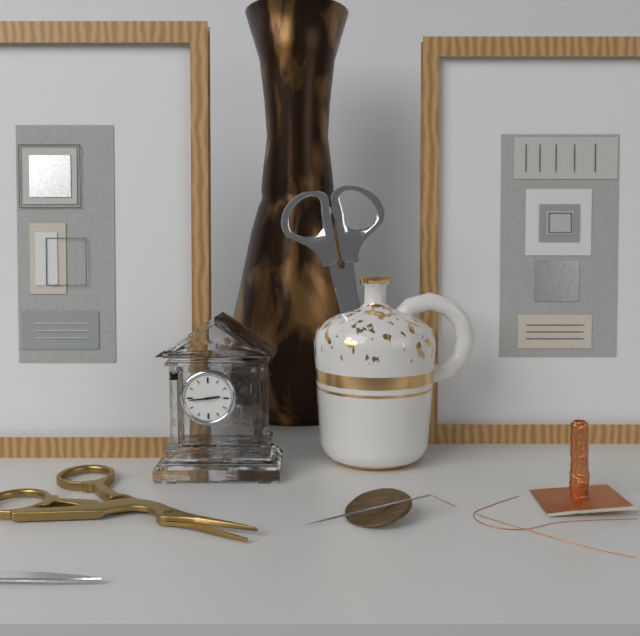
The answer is 2:44
